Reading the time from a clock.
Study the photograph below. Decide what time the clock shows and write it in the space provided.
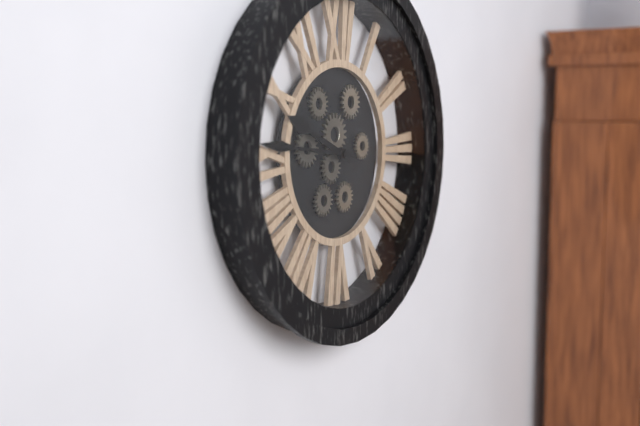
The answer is 9:46
